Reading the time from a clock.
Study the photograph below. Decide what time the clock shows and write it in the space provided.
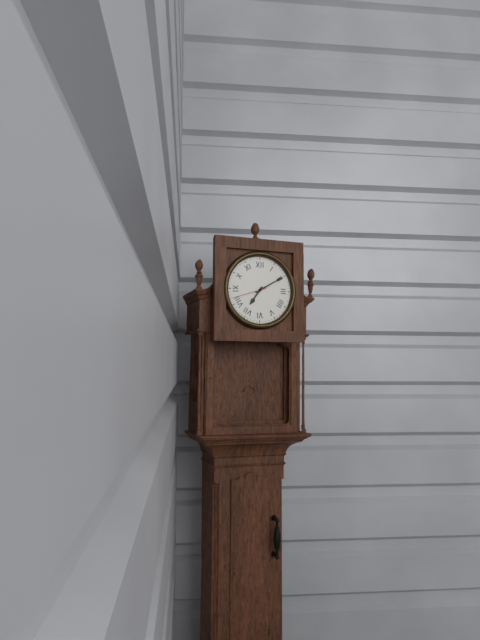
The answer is 7:10
